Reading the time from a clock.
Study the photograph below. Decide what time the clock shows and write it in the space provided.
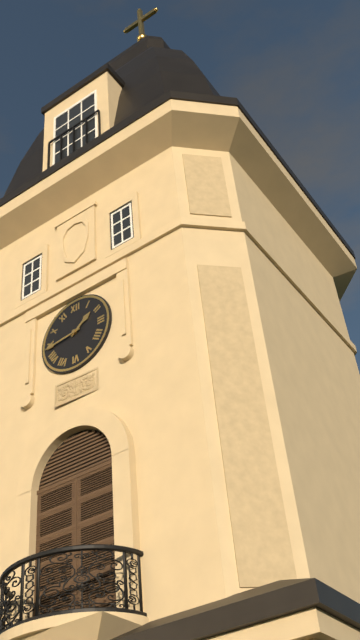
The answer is 1:44
